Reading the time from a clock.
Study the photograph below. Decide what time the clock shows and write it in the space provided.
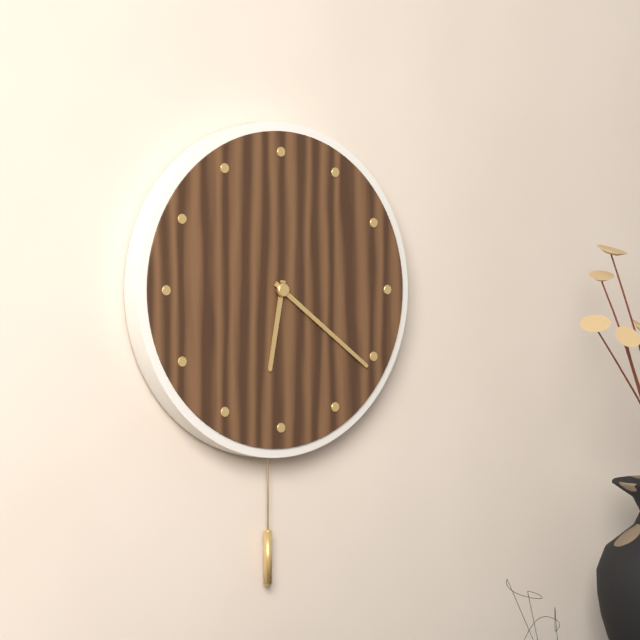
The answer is 6:21
